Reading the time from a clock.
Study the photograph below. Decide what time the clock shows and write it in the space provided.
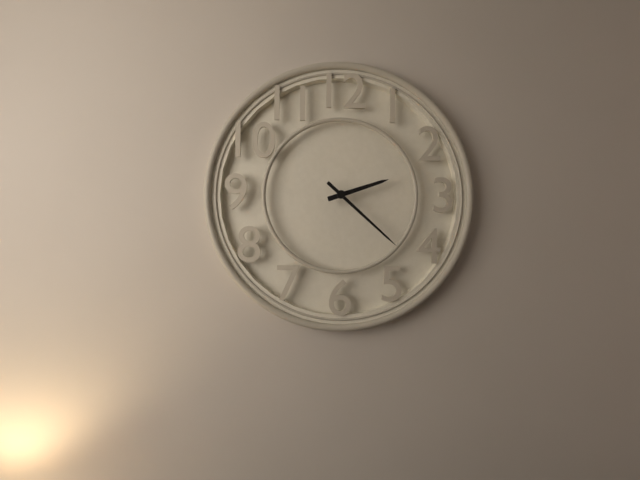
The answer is 2:22
